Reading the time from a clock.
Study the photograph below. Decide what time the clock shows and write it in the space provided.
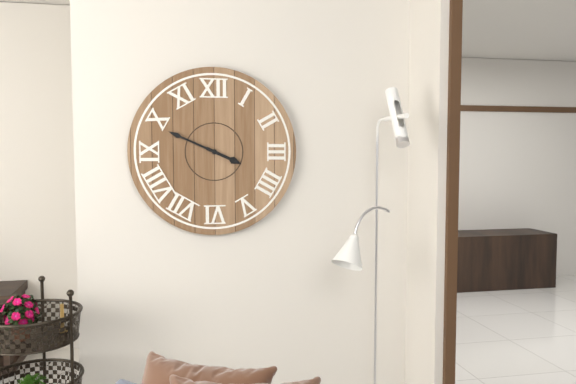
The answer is 3:49
